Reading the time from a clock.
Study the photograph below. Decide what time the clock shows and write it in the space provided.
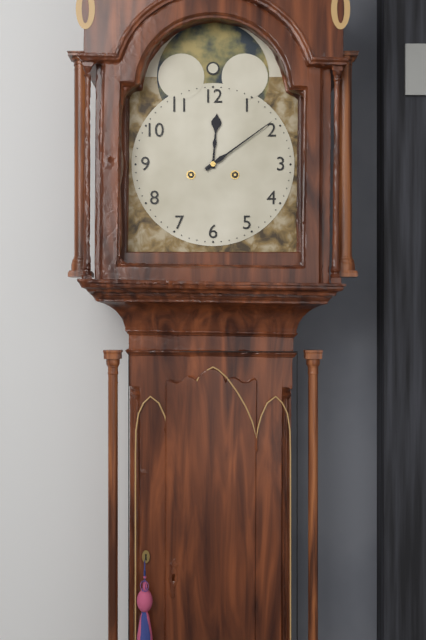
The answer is 12:09
